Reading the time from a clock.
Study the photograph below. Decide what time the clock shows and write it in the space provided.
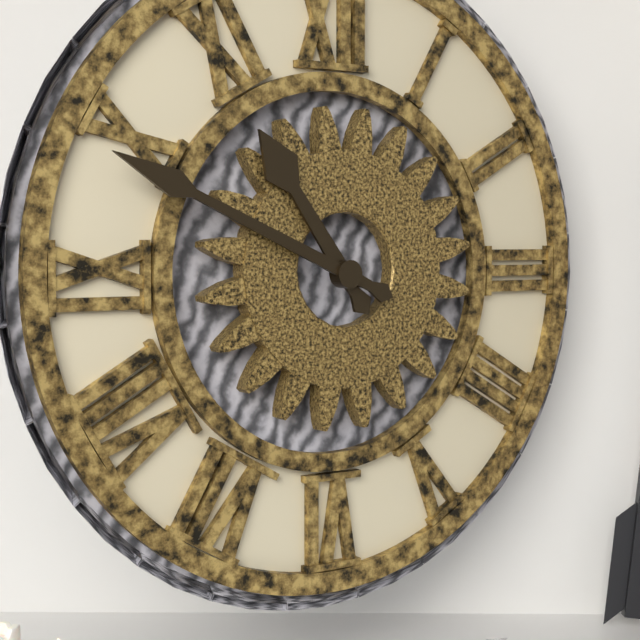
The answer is 10:49
